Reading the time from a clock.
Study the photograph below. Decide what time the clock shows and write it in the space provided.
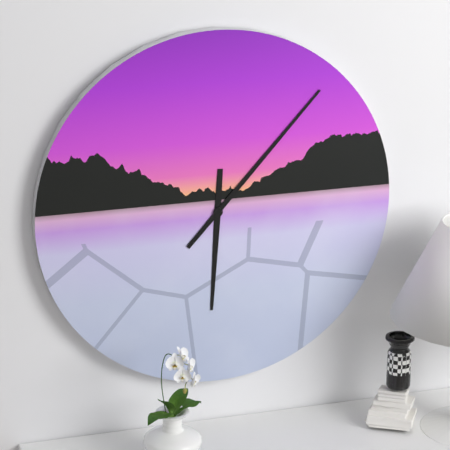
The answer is 6:07
